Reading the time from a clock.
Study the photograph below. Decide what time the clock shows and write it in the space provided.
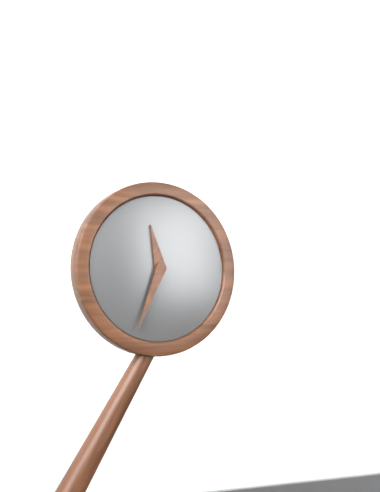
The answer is 11:34
